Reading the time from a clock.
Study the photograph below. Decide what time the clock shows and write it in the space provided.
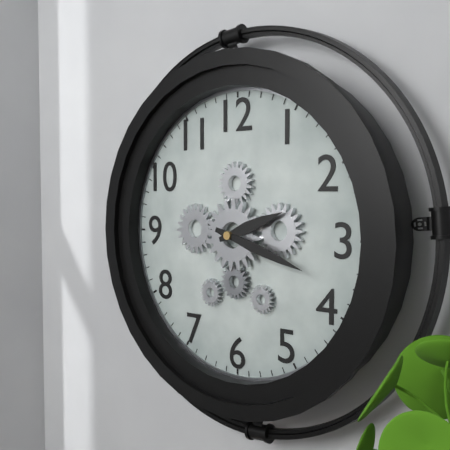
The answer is 2:18
